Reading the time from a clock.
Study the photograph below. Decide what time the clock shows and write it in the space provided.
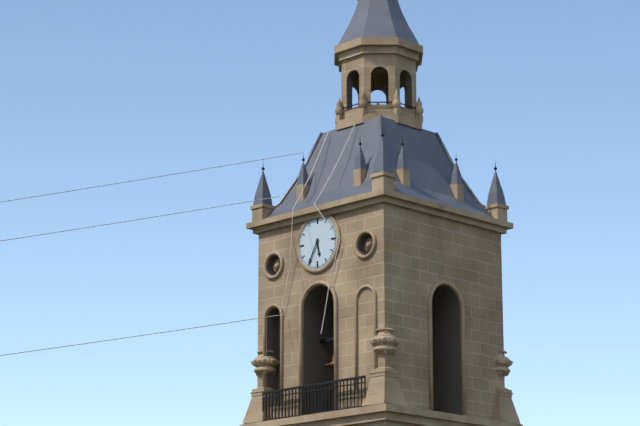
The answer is 5:35
